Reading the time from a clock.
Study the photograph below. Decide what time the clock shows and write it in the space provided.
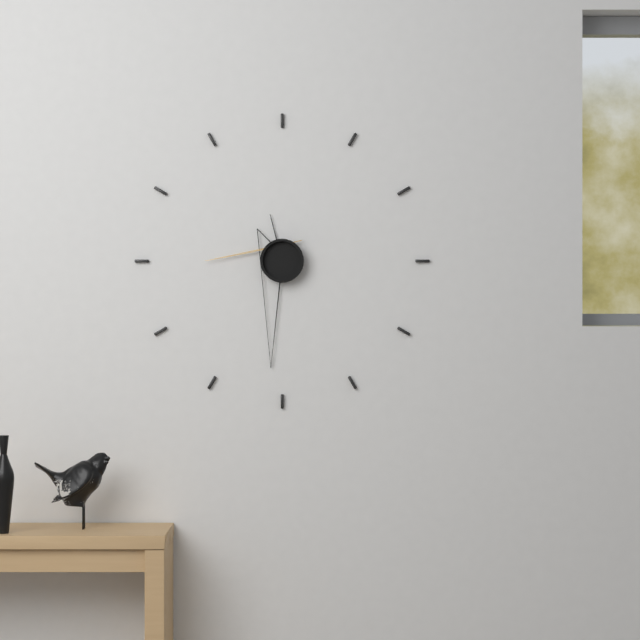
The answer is 11:31:45
